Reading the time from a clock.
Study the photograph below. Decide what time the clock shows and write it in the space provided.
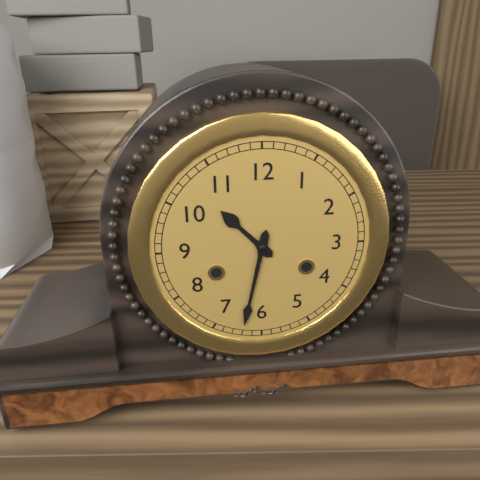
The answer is 10:32
